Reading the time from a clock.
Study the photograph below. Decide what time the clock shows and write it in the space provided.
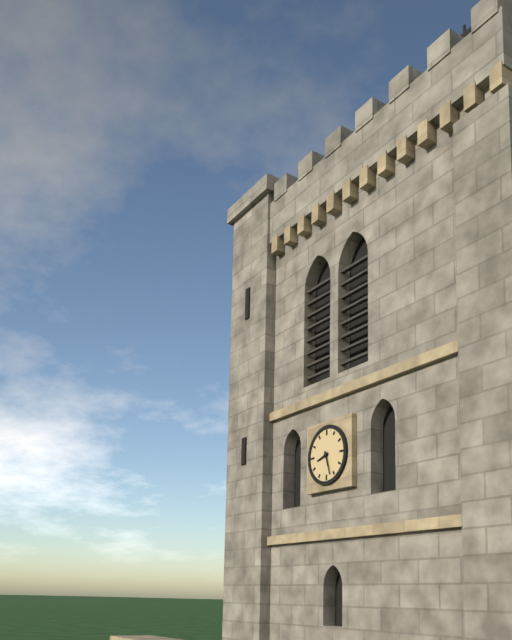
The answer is 8:27
